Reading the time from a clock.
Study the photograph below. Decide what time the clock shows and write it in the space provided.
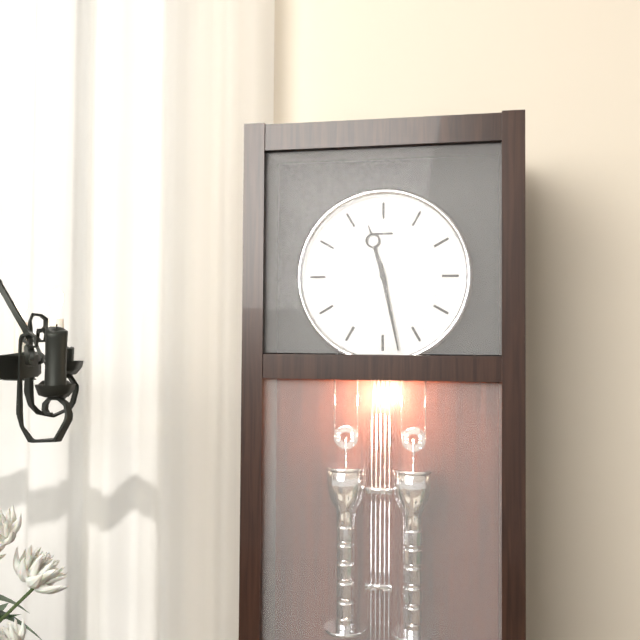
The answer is 11:28
